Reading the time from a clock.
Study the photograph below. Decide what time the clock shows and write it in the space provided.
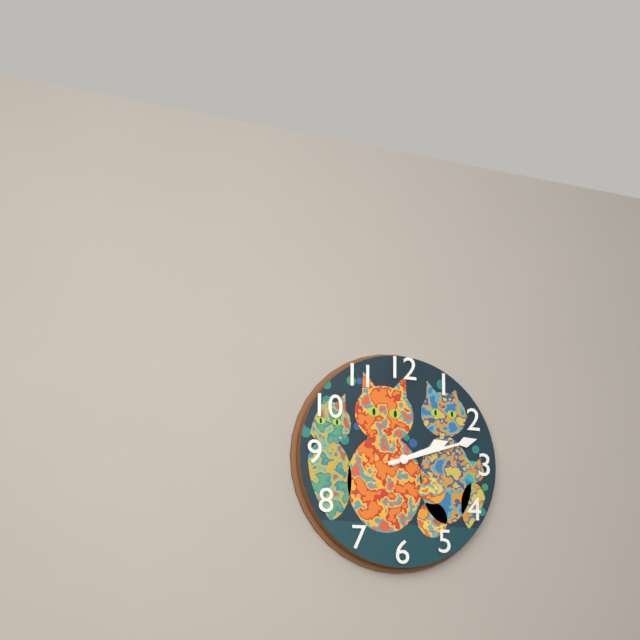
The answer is 2:12
